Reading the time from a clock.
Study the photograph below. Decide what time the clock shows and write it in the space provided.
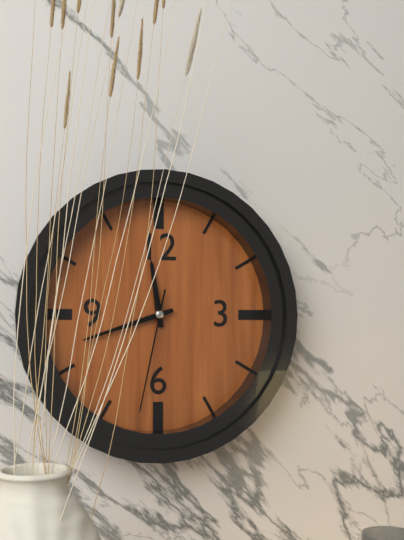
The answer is 11:42:32
